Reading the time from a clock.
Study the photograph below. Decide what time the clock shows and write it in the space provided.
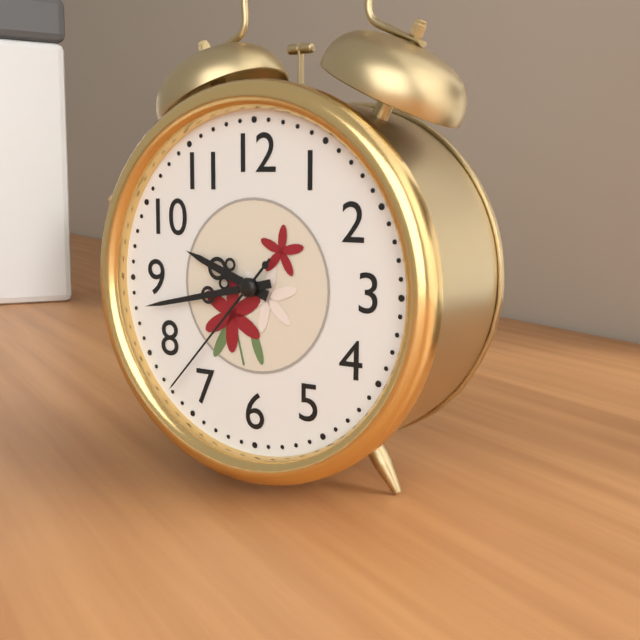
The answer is 9:43:37
